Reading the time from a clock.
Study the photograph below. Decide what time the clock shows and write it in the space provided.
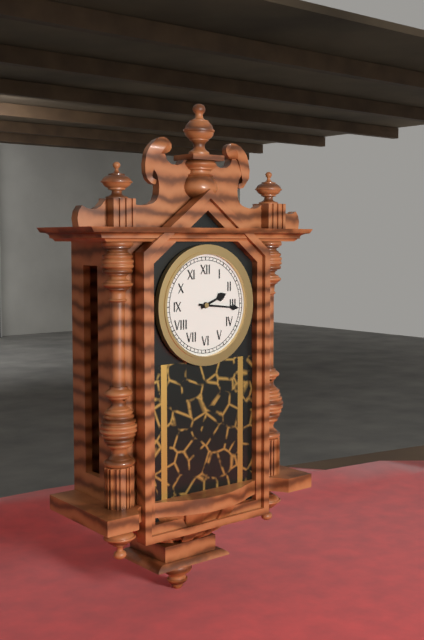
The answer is 2:16
